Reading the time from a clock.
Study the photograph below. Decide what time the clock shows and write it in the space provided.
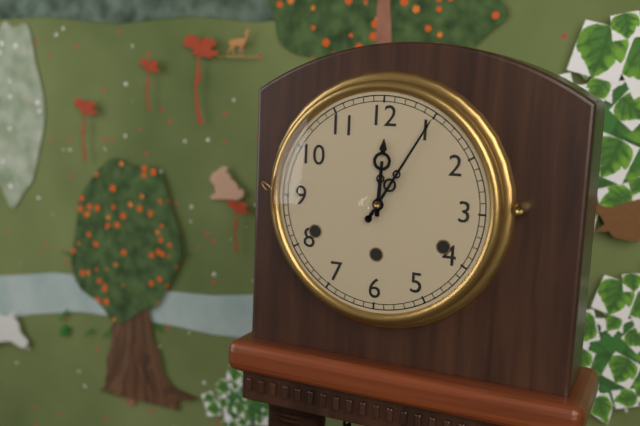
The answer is 12:05
